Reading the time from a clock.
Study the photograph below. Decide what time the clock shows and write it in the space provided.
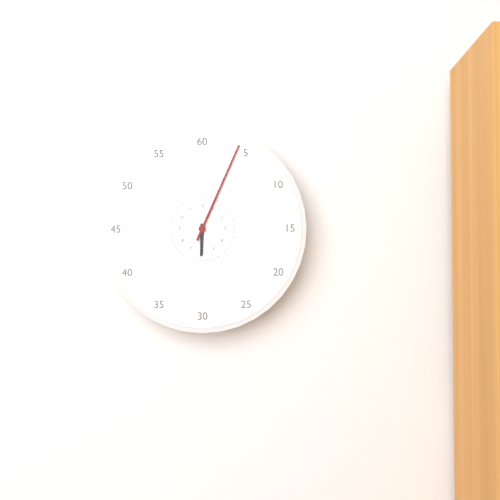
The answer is 6:04
